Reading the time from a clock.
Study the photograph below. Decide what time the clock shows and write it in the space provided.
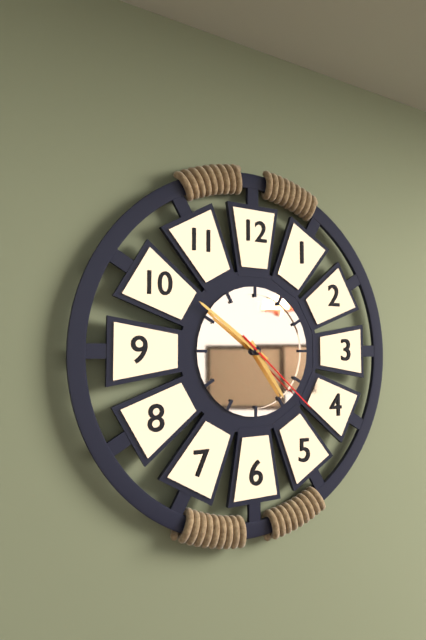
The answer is 4:51:22
